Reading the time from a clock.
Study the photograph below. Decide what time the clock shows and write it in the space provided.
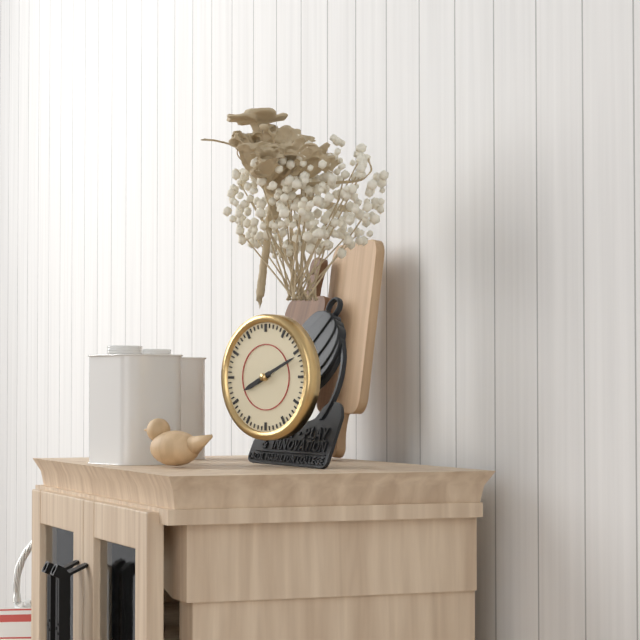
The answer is 8:11
